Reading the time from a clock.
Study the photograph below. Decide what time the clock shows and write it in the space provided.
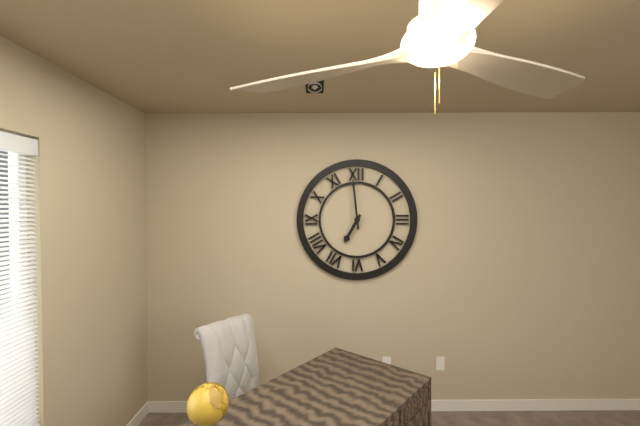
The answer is 6:59
